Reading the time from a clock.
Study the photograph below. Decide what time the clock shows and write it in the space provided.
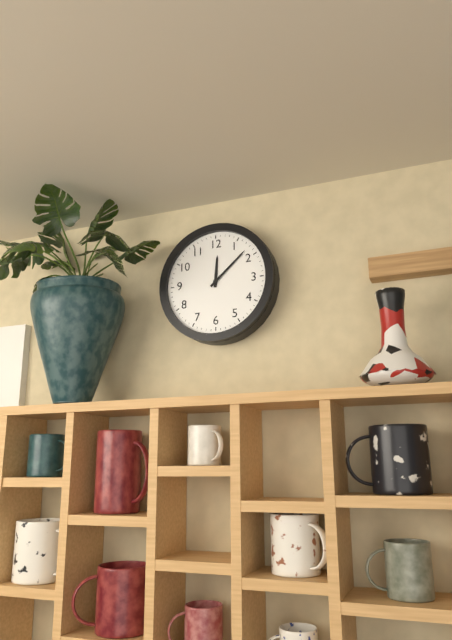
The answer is 12:08
